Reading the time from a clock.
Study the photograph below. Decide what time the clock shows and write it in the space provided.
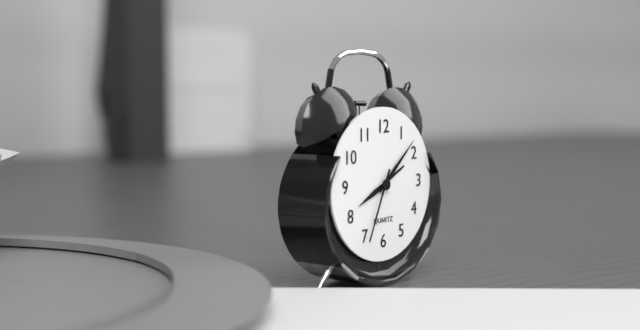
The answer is 8:08:34
